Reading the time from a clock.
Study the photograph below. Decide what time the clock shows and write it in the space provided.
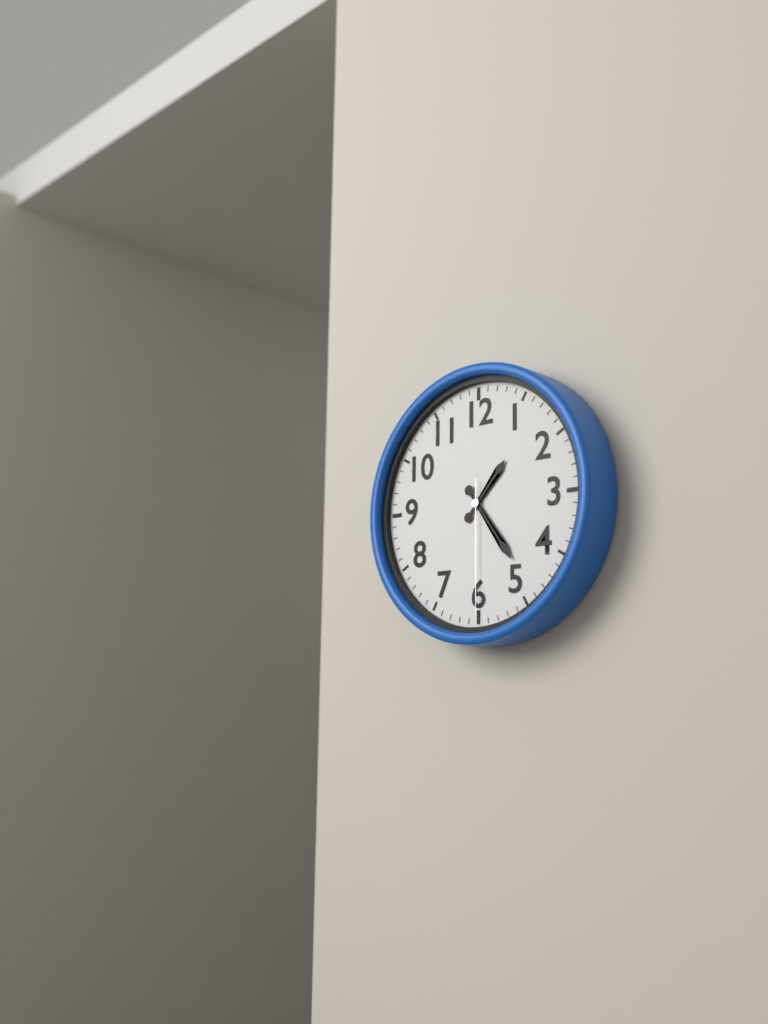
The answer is 1:24:30
